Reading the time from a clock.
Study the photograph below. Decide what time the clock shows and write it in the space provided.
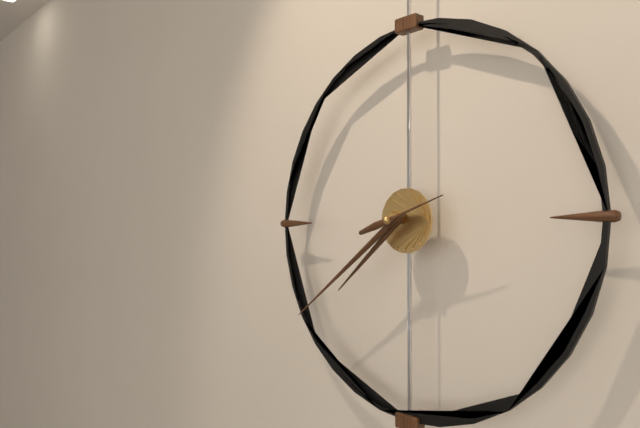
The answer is 7:39:12
